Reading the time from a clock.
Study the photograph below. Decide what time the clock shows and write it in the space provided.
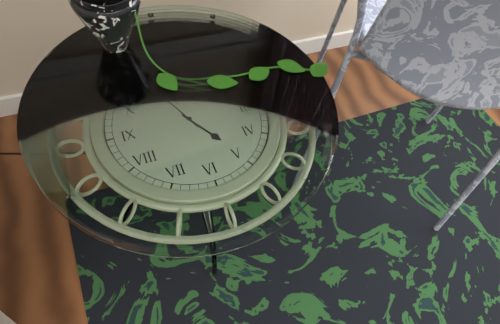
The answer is 4:56
